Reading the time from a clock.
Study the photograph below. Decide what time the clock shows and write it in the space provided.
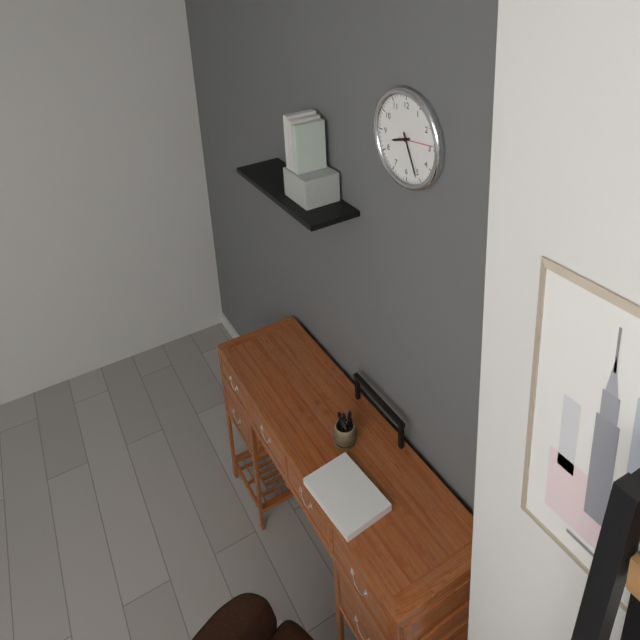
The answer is 8:26
